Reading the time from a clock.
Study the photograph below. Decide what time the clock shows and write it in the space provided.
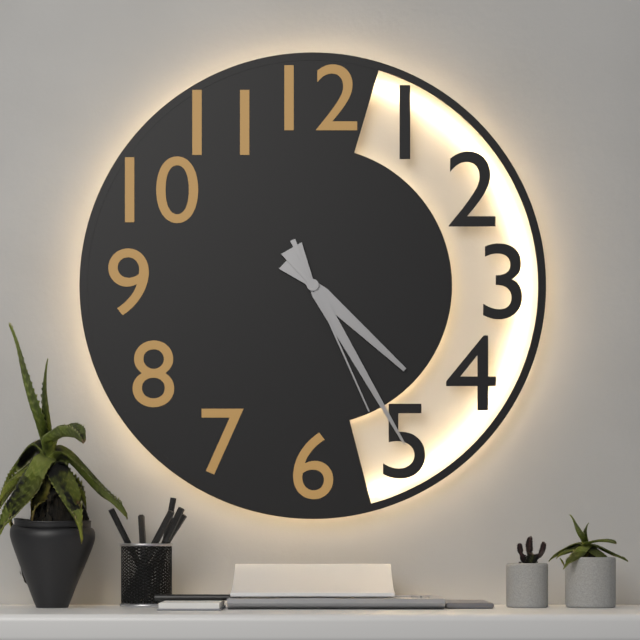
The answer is 4:25:26
